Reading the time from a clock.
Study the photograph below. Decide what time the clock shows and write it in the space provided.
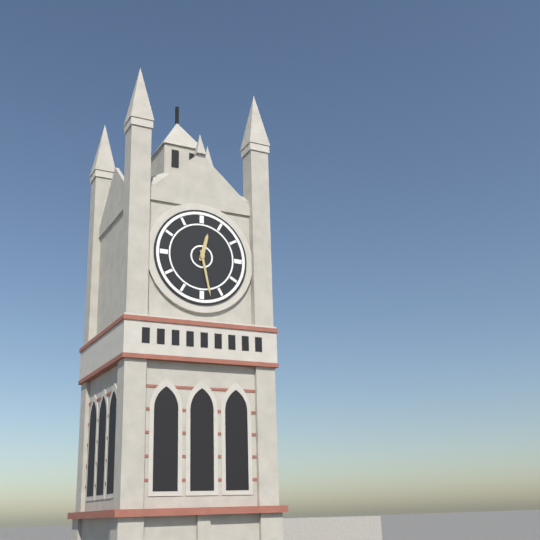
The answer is 12:28
